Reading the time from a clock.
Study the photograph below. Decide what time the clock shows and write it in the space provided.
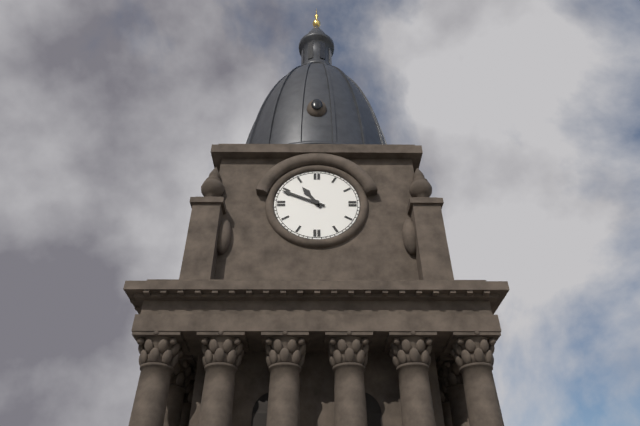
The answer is 10:49
